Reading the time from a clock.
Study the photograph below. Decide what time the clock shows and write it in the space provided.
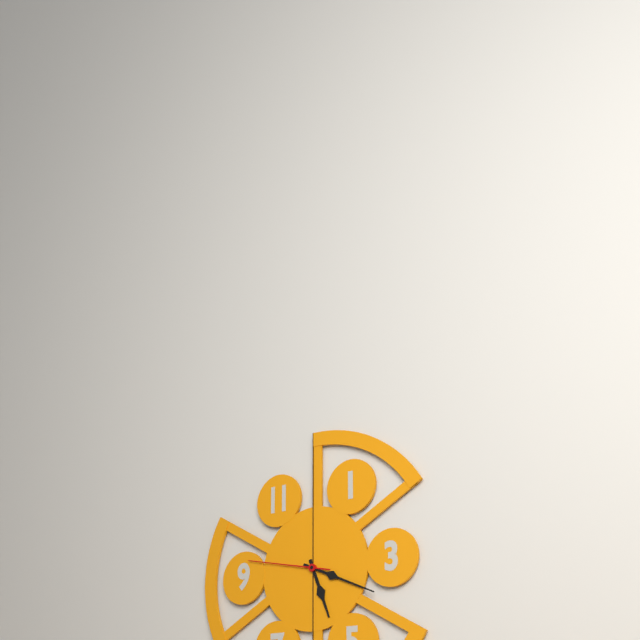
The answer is 5:19:47
